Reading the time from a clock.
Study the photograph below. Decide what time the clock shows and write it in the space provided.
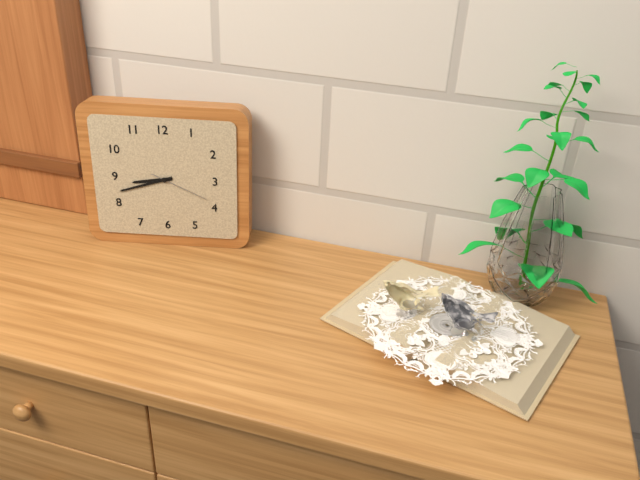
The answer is 8:42:19
